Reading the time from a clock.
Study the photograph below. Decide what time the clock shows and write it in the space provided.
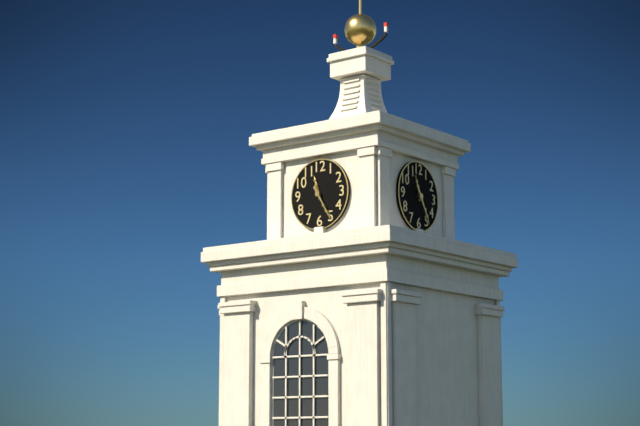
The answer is 11:25
